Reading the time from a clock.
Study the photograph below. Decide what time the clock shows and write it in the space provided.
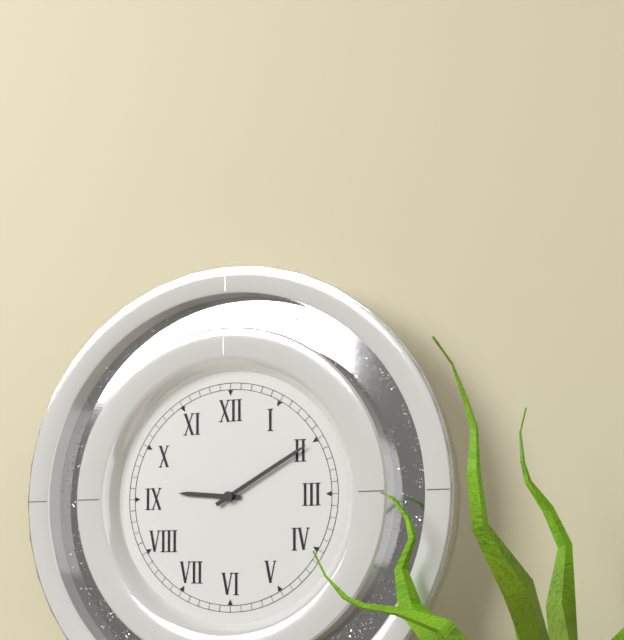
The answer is 9:10
